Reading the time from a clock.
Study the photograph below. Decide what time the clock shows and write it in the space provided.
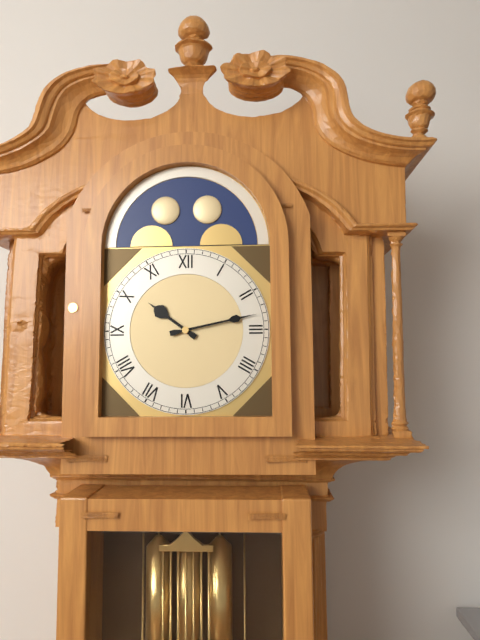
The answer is 10:13
